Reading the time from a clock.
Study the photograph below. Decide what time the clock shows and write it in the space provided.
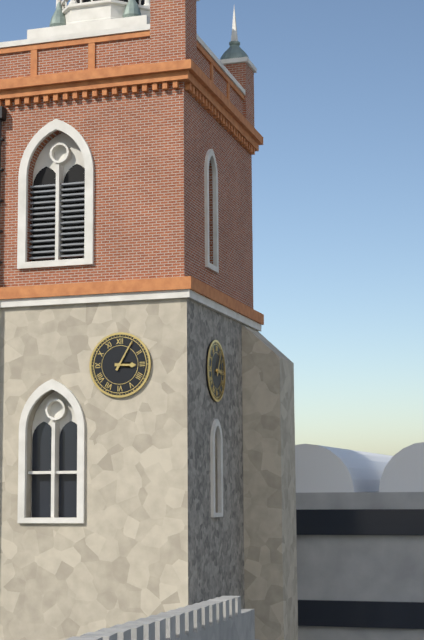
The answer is 3:05
